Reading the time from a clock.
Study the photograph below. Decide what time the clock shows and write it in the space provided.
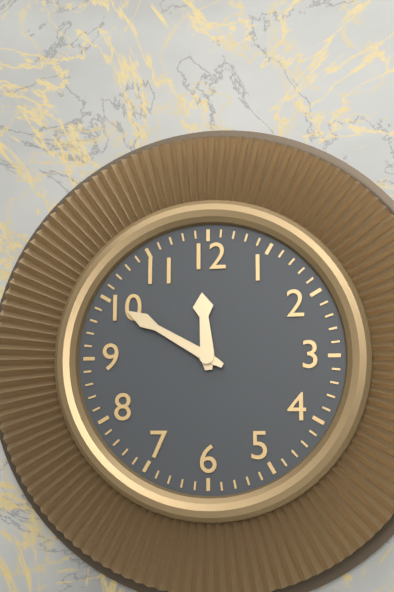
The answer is 11:50
